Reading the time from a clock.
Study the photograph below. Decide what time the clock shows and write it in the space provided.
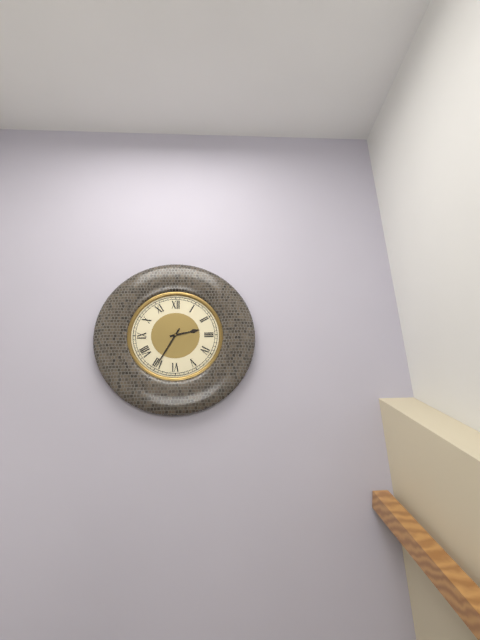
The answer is 2:35
